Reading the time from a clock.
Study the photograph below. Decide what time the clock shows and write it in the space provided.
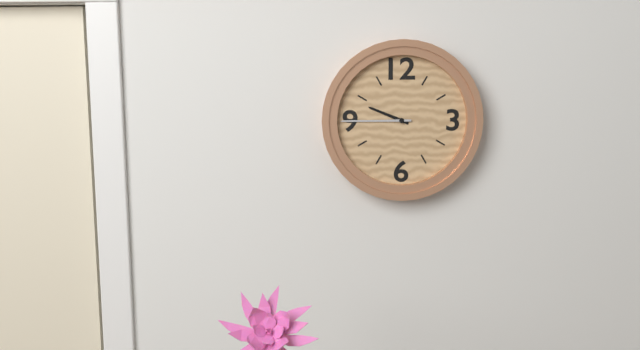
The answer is 9:45
